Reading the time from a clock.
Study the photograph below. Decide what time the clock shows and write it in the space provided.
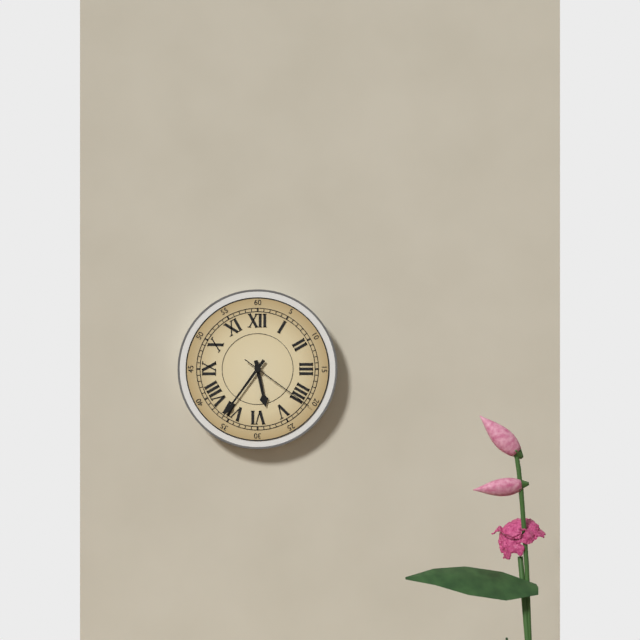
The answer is 5:36:21
